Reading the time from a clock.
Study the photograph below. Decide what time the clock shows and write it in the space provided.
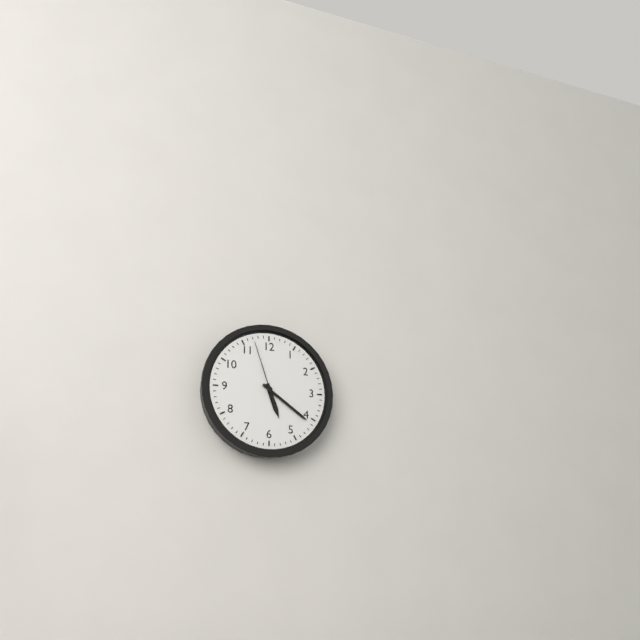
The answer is 5:21:57
